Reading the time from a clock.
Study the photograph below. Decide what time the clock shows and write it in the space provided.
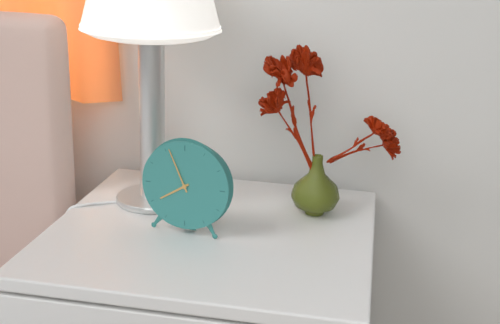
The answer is 7:56
